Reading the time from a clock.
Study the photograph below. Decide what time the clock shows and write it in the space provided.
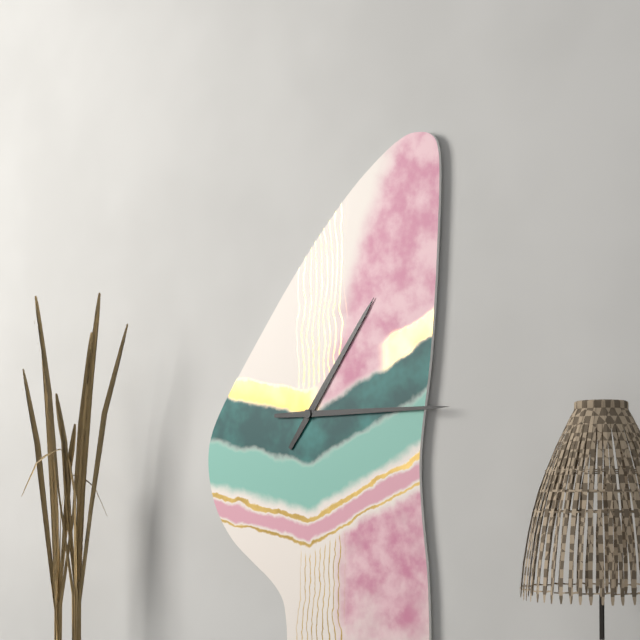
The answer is 1:15
